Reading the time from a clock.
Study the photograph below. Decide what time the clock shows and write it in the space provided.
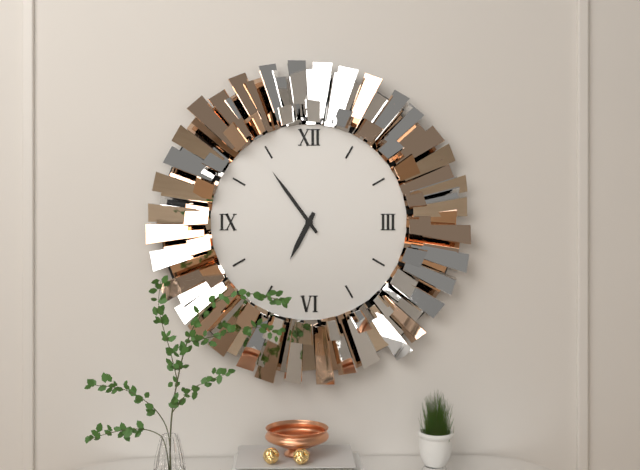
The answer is 6:54
